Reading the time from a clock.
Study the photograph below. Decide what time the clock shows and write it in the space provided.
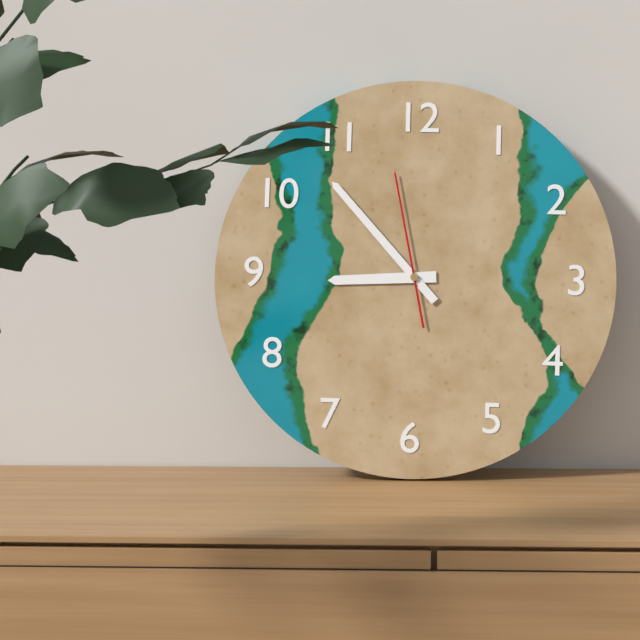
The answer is 8:53:58
